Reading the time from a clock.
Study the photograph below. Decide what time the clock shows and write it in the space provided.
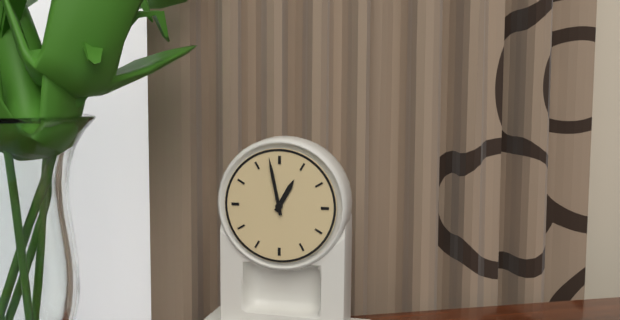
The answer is 12:58
